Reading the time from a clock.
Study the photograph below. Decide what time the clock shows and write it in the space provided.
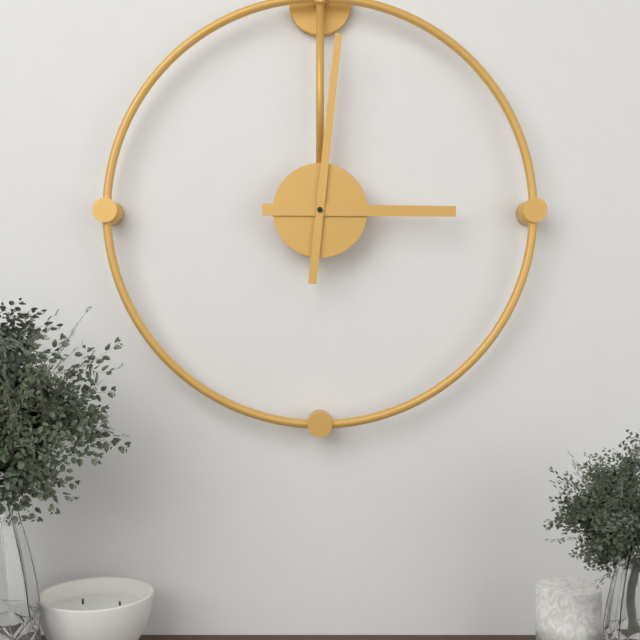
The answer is 3:01
